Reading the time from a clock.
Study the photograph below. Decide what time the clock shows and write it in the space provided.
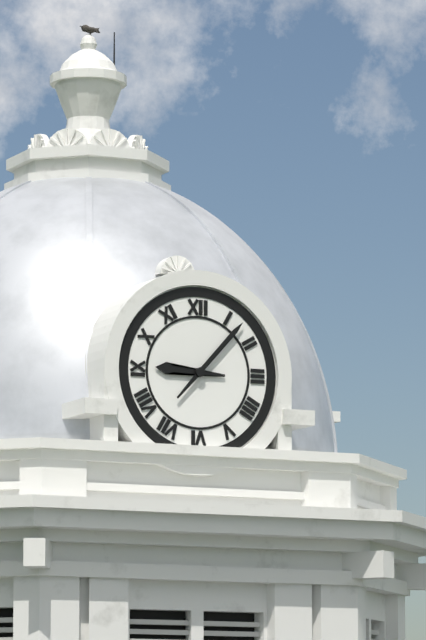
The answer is 9:07
